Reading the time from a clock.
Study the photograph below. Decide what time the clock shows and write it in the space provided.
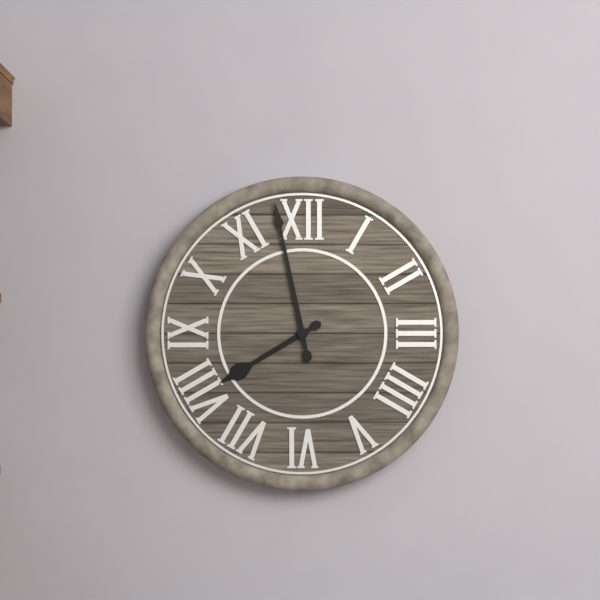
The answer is 7:58
